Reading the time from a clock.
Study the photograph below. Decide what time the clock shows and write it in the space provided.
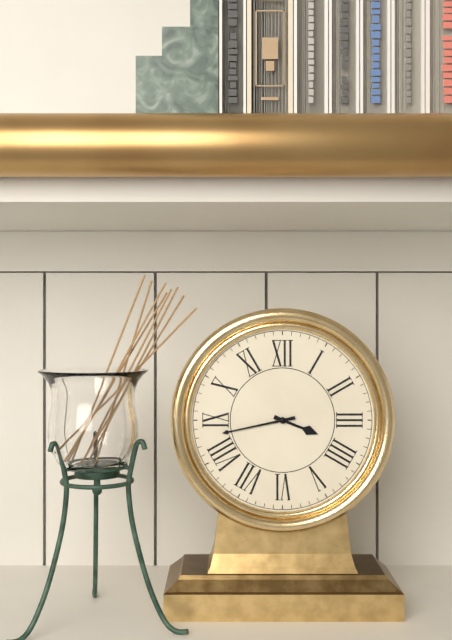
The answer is 3:43
